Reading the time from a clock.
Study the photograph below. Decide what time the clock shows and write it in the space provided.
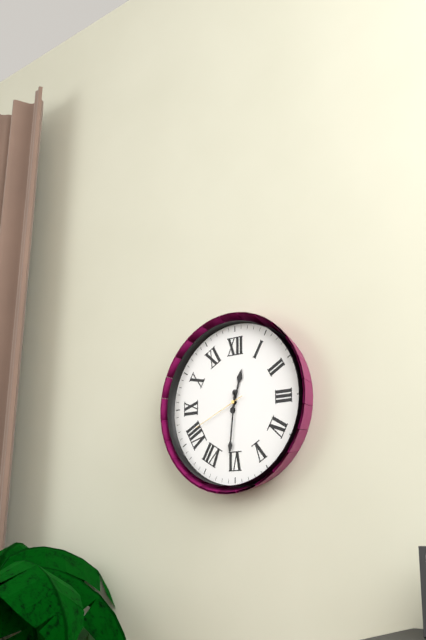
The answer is 12:31:41
